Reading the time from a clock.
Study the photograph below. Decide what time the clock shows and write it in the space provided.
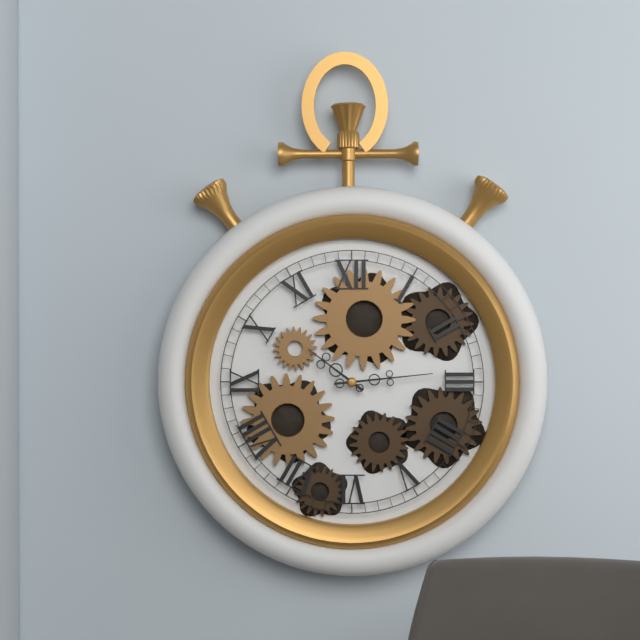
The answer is 10:14
